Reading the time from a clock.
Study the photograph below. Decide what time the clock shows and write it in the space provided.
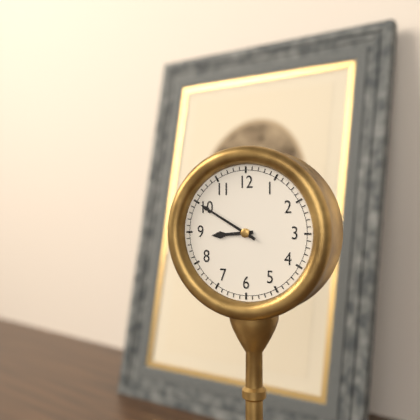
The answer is 8:50
